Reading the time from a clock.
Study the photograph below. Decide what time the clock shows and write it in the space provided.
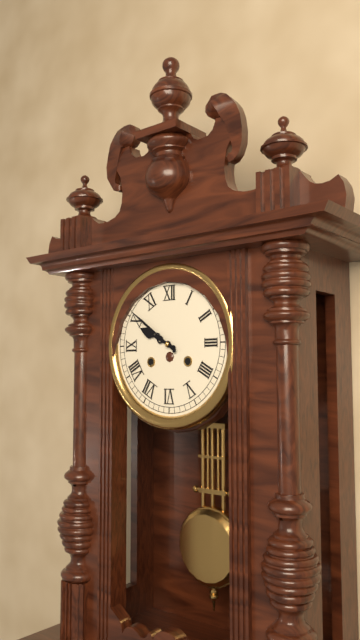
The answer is 9:51
